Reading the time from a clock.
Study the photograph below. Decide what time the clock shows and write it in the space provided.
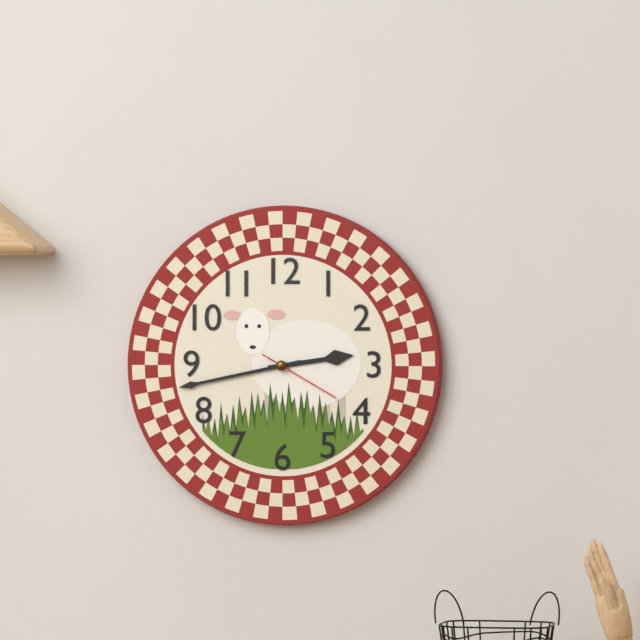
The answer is 2:43:20
